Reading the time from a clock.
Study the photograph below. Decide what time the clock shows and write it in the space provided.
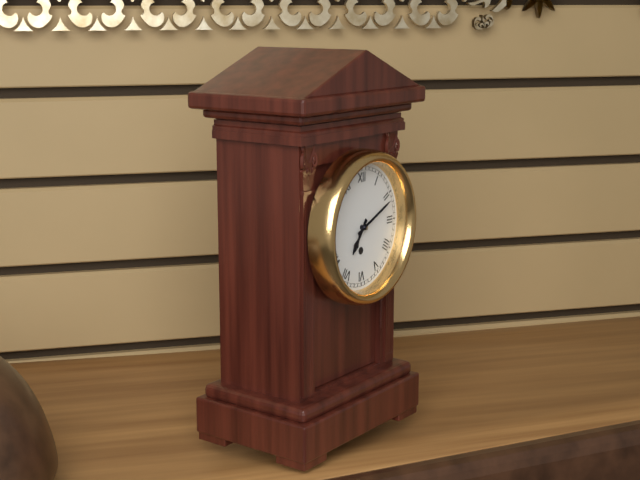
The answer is 7:11
